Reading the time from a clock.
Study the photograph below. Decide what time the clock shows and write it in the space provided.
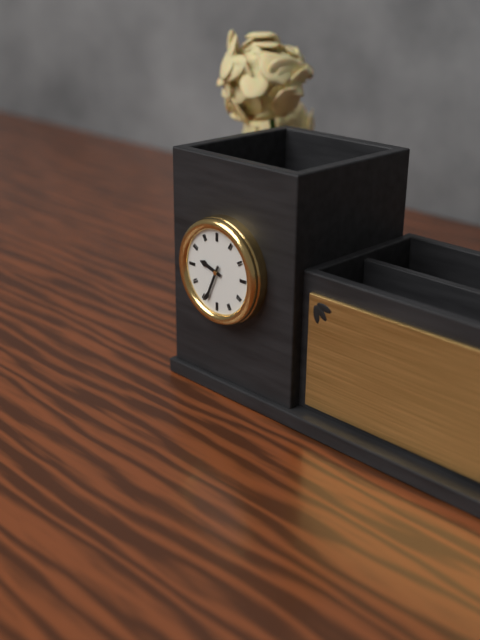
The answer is 9:34
